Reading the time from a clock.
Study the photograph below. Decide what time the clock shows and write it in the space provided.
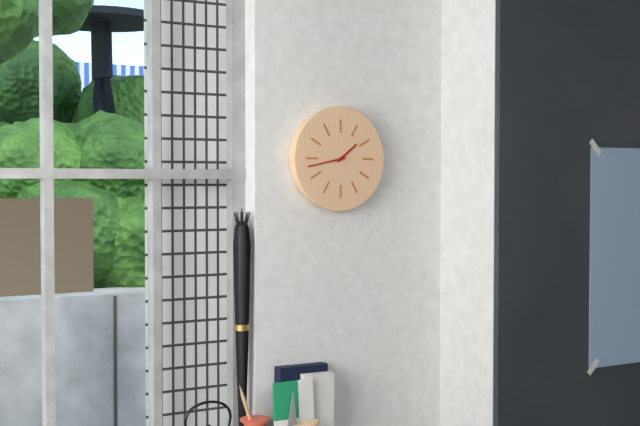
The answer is 1:43
